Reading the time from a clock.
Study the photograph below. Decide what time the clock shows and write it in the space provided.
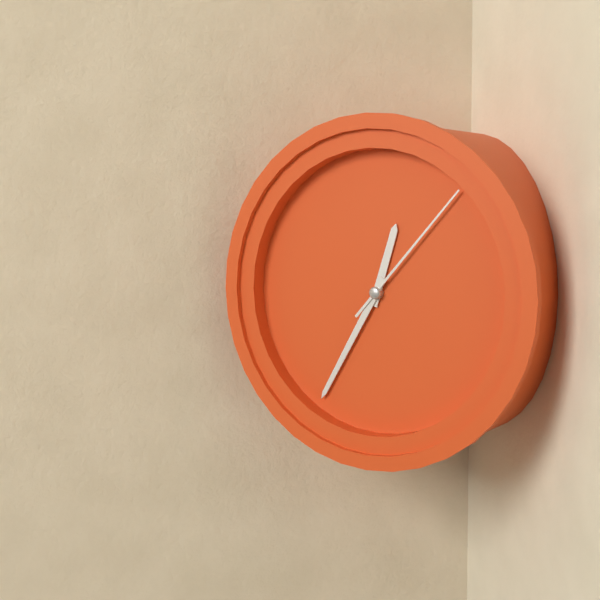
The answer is 12:35:07
